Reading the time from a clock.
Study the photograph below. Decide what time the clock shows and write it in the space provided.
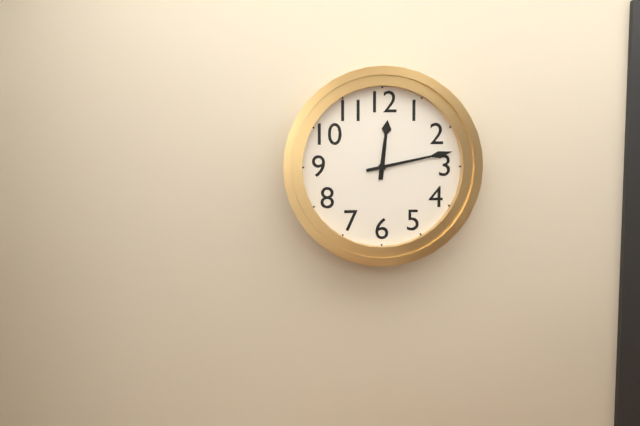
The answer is 12:13
